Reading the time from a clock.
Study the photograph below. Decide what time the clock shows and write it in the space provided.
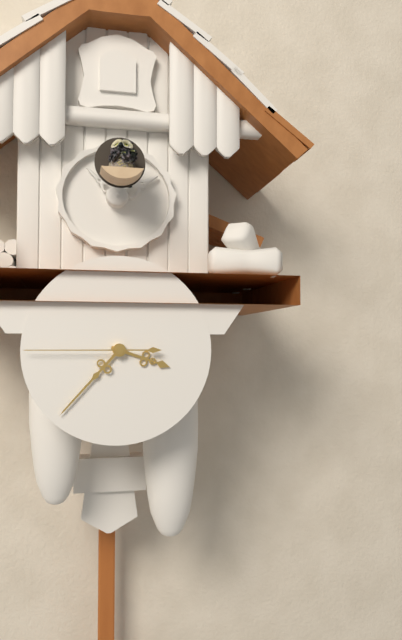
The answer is 3:37:45
